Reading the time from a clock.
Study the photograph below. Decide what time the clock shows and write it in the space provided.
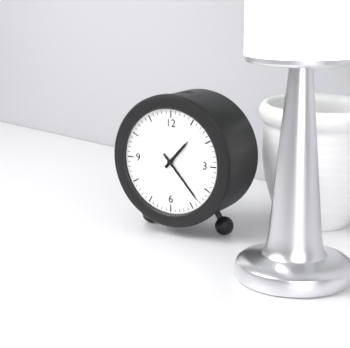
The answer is 1:23
